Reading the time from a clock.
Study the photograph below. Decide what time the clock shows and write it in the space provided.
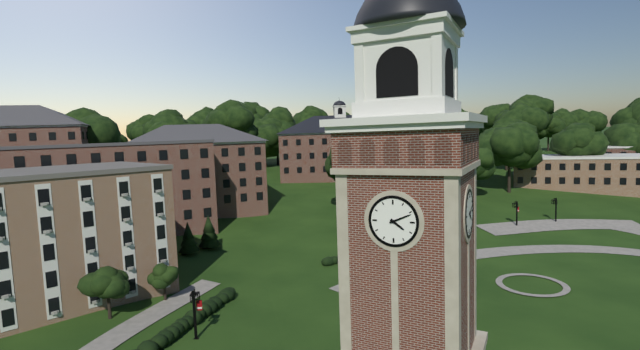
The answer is 4:11
